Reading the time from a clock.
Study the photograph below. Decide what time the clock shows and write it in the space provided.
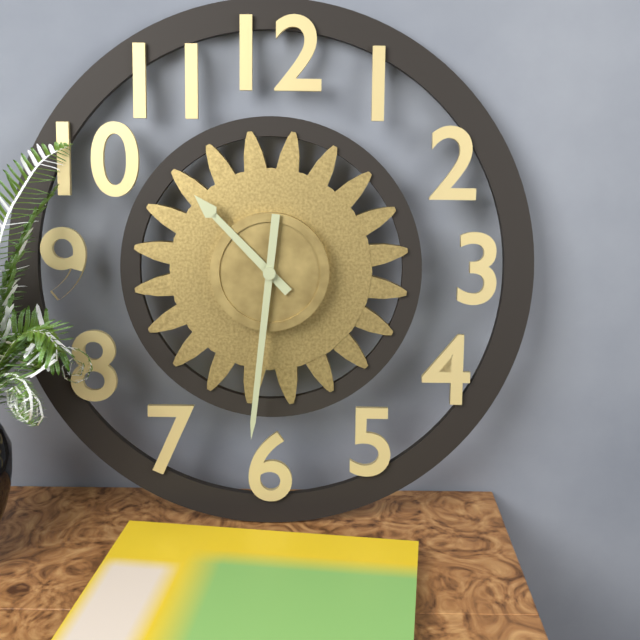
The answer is 10:31
